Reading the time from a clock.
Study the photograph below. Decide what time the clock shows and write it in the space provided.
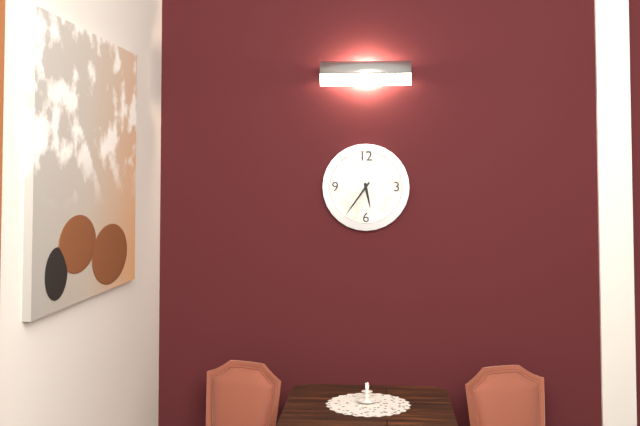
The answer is 5:36
